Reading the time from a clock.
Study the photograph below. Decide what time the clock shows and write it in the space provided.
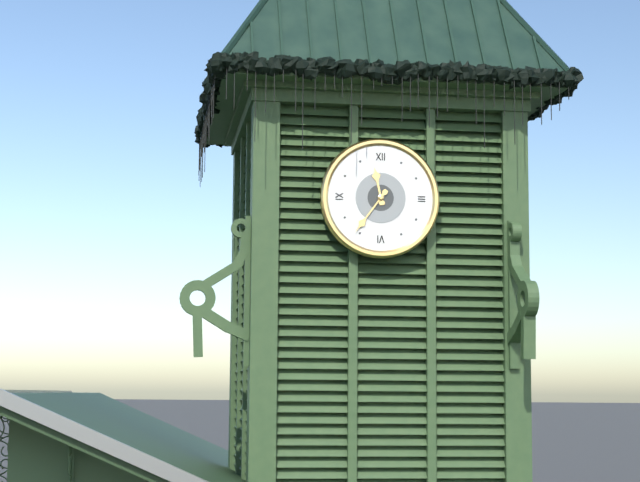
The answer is 11:36
